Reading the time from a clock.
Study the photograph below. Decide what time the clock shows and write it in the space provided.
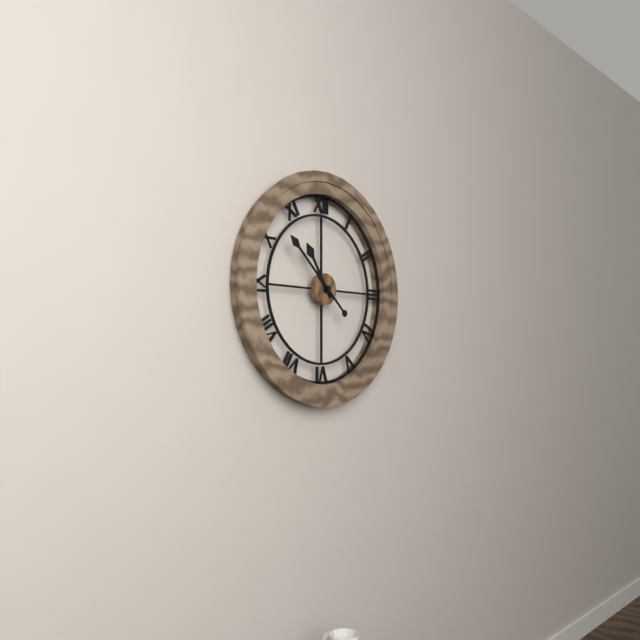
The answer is 10:52
